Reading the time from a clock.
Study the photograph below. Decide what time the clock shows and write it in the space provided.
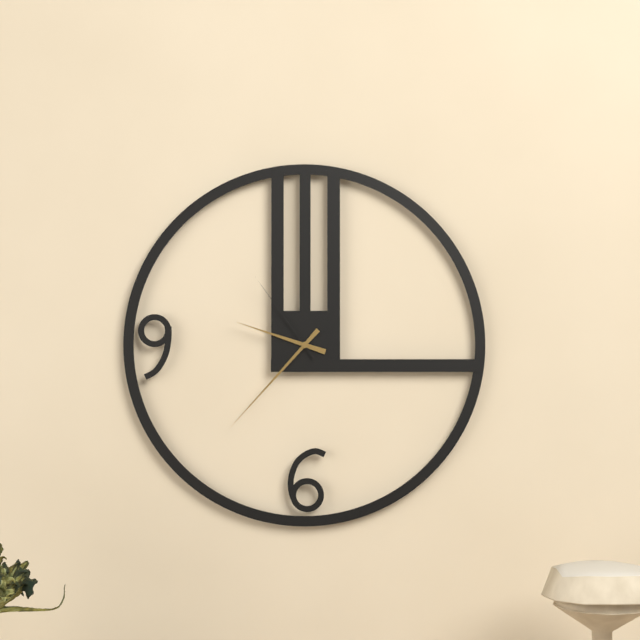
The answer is 9:37:54
